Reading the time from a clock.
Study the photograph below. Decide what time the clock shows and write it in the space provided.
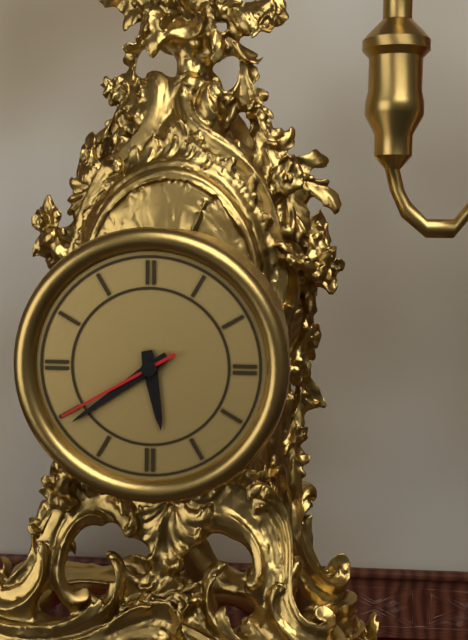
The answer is 5:39:40
